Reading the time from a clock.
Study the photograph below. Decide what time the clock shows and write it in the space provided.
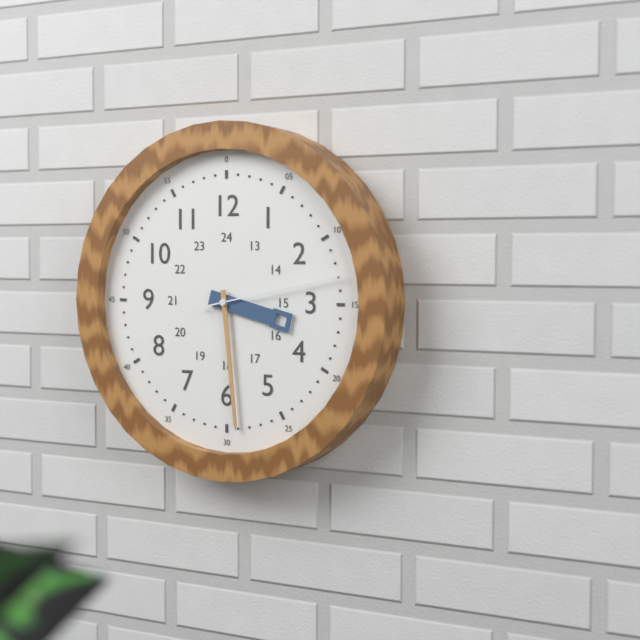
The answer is 3:29:13
